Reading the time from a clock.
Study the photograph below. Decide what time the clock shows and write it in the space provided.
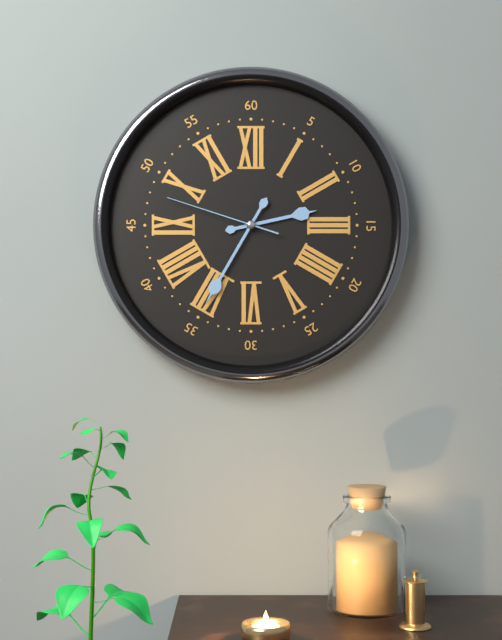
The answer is 2:35:48
